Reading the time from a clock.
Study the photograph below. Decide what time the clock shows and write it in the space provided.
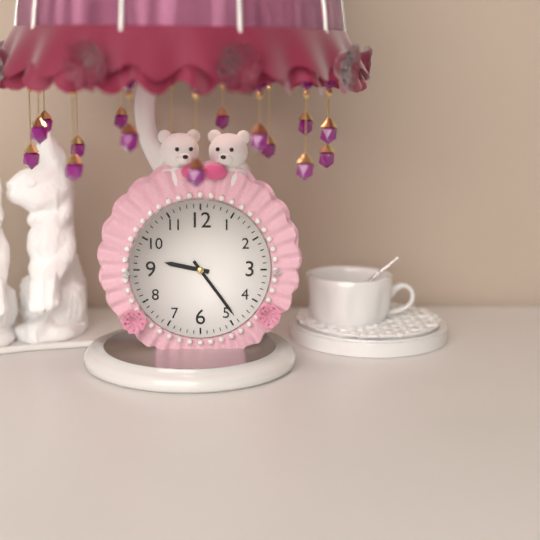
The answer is 9:24
